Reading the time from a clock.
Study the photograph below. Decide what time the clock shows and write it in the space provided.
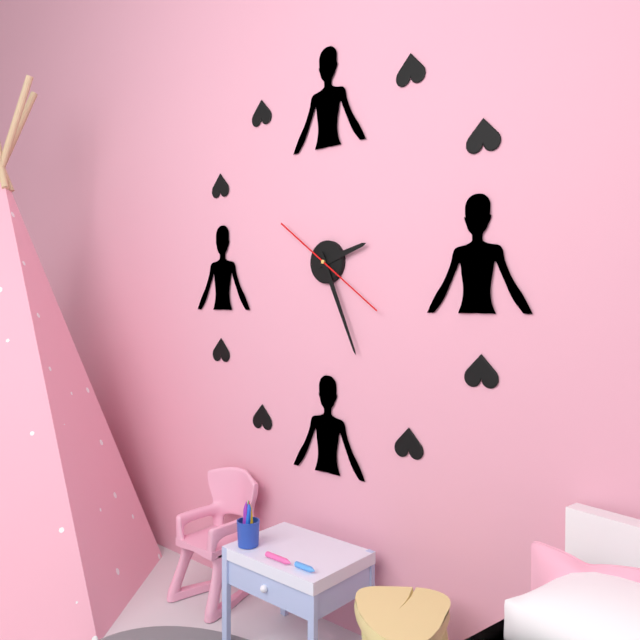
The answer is 2:26:21
